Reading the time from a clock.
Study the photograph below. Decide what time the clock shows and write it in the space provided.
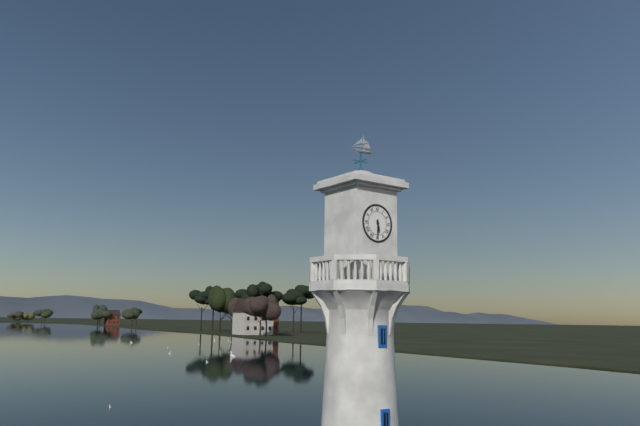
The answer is 5:30
